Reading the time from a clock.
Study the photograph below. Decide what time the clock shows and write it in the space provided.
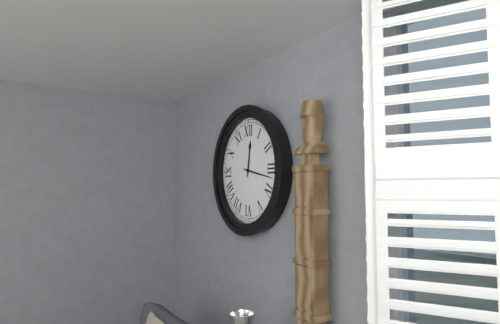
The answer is 12:17
